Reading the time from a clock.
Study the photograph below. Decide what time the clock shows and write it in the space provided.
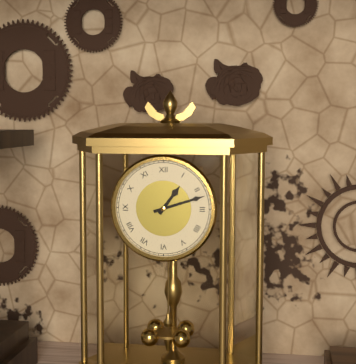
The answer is 1:12
